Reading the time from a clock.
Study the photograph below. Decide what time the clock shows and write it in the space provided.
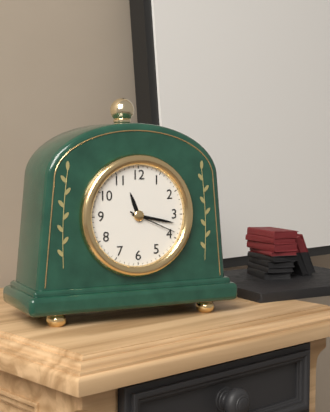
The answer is 11:17:19
